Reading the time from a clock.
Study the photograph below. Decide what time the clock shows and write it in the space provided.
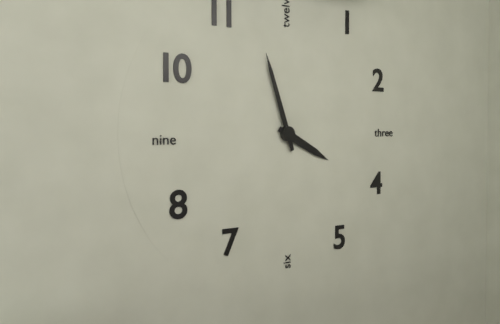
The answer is 3:57
